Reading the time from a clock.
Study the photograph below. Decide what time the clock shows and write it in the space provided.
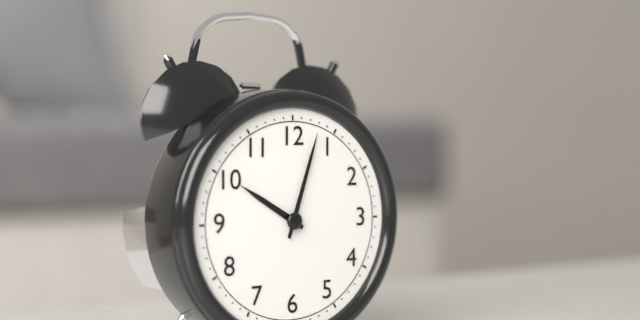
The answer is 10:03
